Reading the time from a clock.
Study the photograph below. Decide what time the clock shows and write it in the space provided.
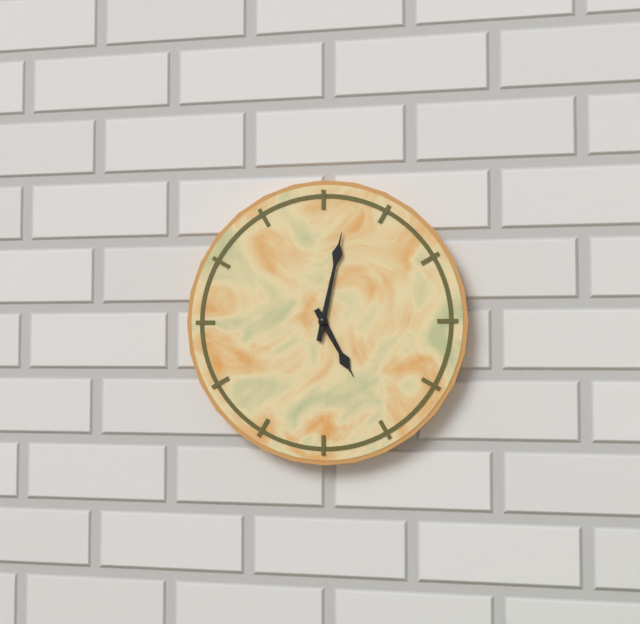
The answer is 5:02
